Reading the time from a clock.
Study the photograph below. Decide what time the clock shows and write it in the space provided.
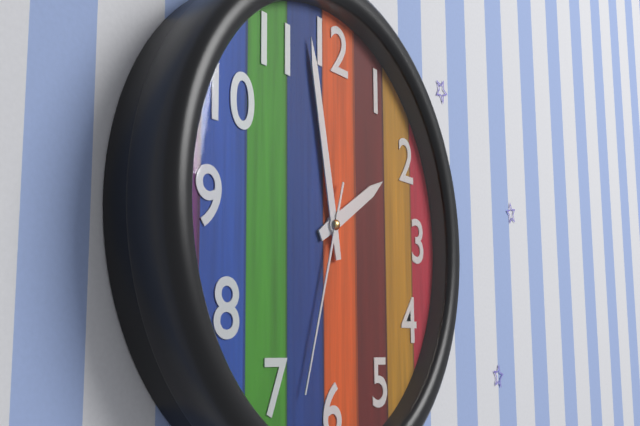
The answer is 1:58:33
